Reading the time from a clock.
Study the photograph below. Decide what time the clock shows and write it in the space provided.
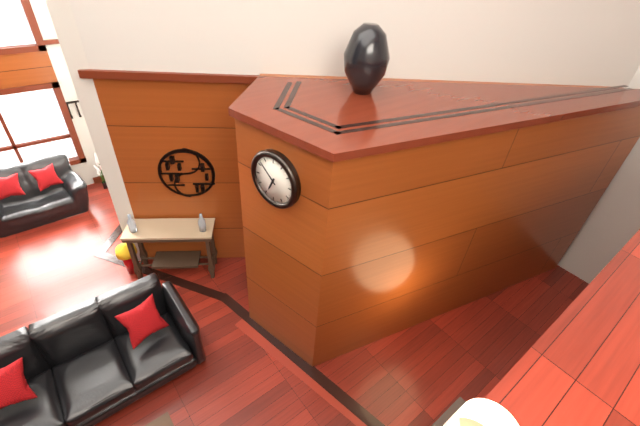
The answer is 6:52
